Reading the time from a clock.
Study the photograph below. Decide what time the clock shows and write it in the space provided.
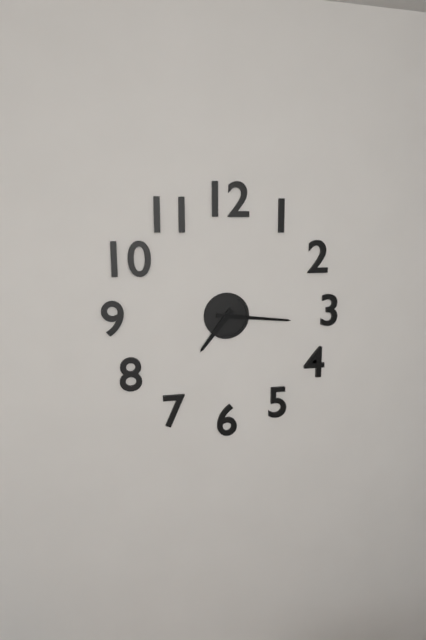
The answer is 7:16
